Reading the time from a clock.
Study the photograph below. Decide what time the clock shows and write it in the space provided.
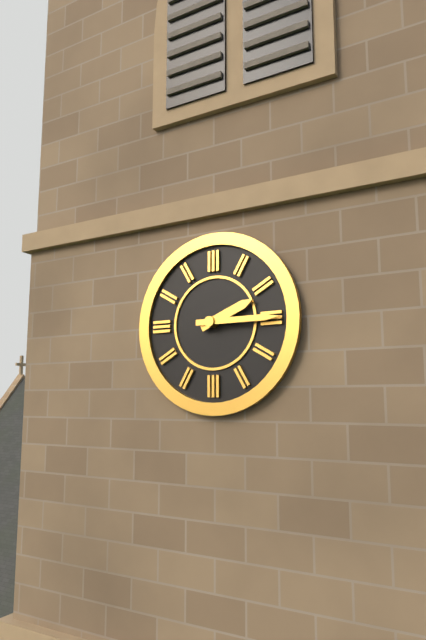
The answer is 2:15
